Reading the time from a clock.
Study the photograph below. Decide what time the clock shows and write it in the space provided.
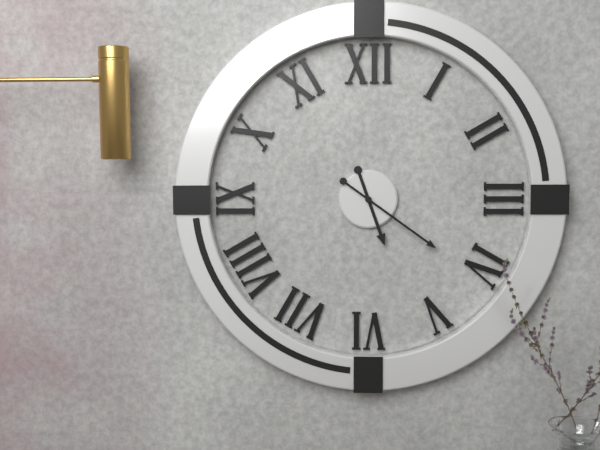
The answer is 5:21
